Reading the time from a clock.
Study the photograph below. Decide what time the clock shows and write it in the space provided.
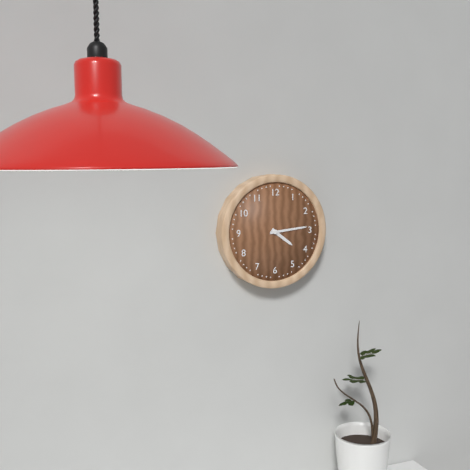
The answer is 4:14
